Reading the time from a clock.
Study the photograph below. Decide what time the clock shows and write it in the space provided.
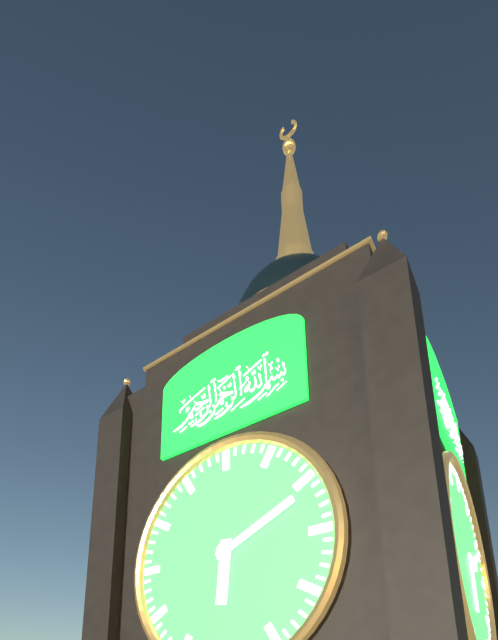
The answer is 6:11
